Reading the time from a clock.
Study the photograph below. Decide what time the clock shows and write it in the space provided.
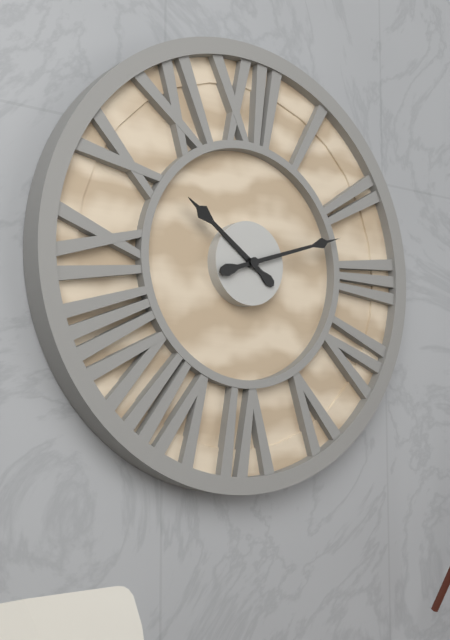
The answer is 10:12
